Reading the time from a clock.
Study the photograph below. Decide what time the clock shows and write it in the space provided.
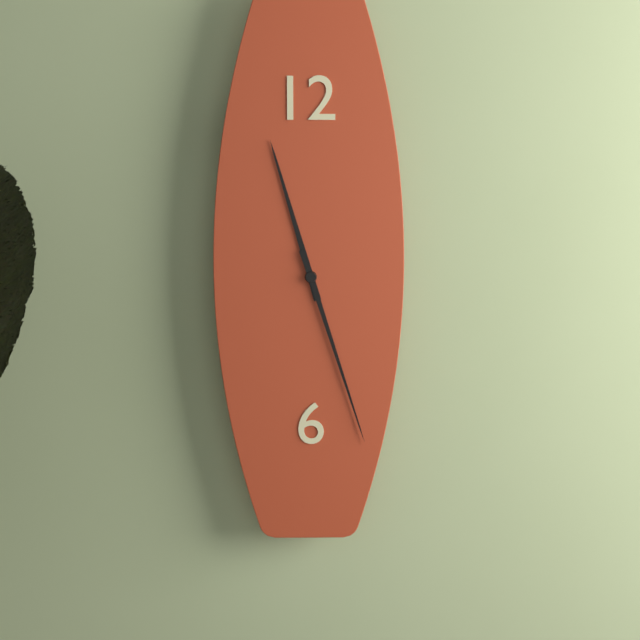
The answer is 11:27
